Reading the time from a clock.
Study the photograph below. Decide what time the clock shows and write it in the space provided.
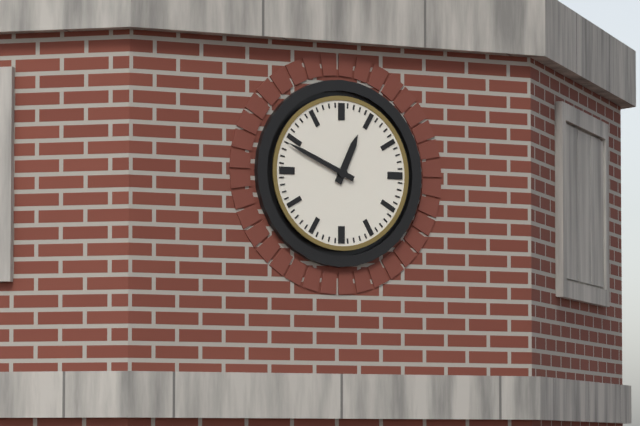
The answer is 12:49
